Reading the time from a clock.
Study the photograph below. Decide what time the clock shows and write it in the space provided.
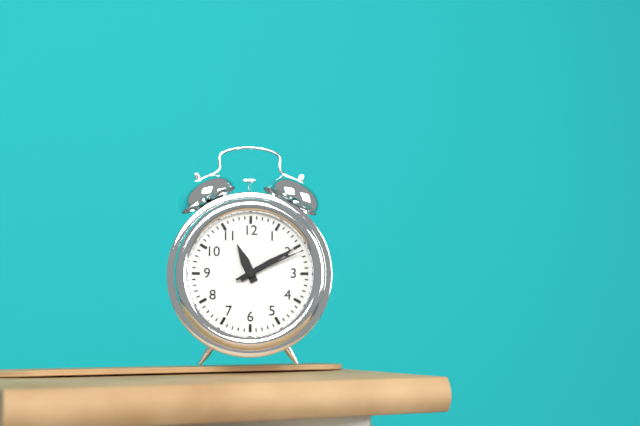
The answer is 11:10:11
